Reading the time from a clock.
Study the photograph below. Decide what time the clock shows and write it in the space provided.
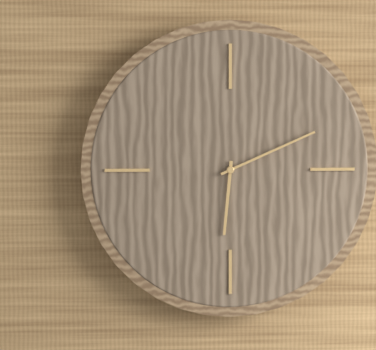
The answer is 6:11
